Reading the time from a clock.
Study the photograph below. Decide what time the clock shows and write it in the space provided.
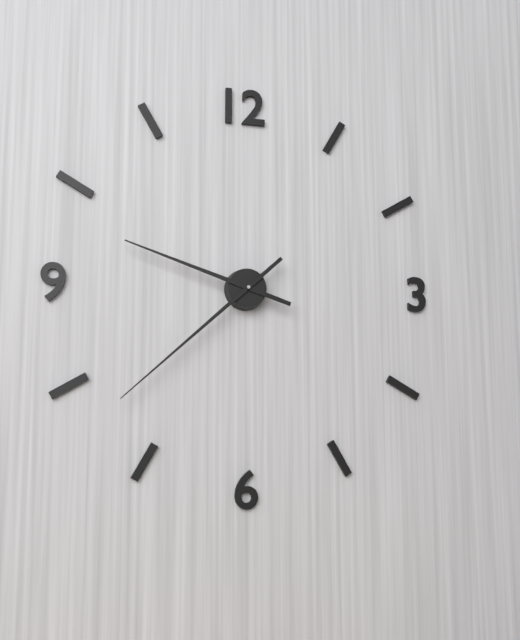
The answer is 9:38
